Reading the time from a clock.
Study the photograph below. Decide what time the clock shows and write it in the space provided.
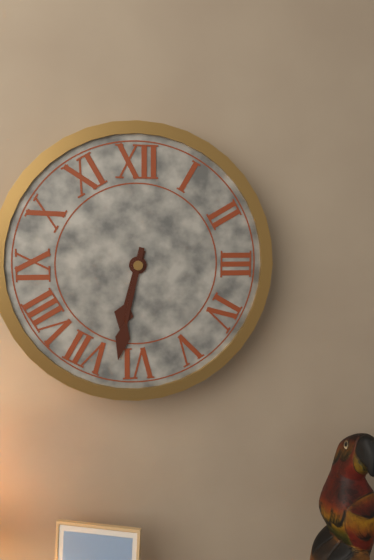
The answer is 6:32
